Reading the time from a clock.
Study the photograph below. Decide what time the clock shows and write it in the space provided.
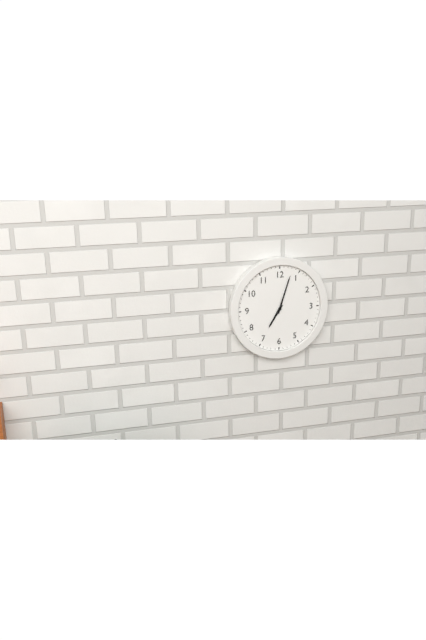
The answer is 7:03
